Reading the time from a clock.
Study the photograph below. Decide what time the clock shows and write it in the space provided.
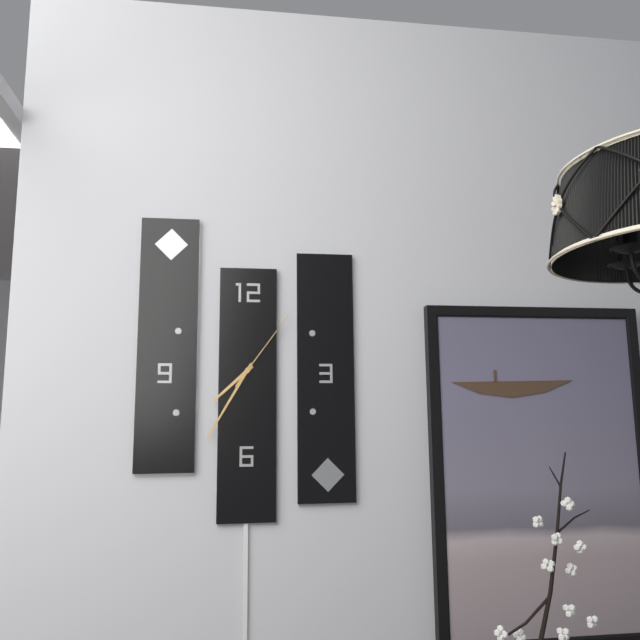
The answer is 7:35:06
